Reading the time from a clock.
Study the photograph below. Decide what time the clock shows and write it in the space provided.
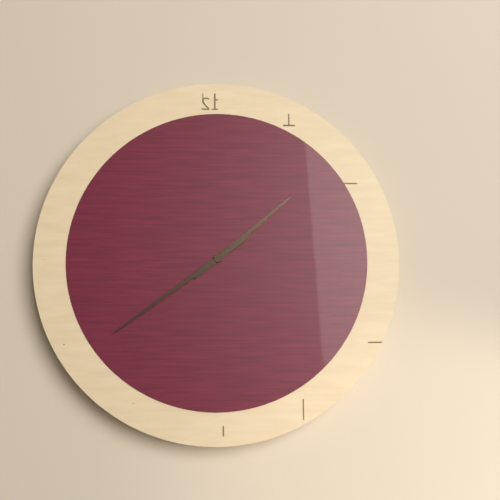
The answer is 1:39
